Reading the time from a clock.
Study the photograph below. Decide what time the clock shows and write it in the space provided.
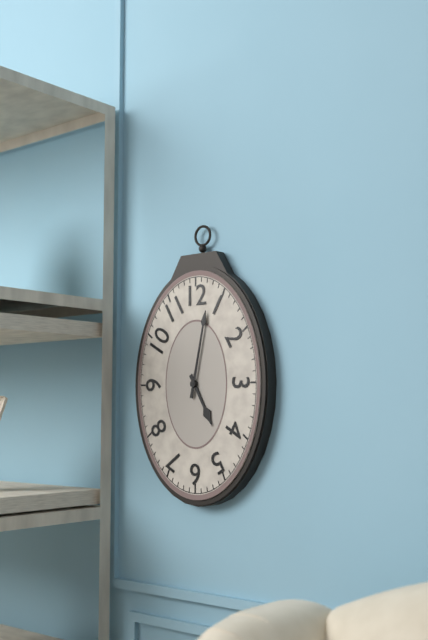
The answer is 5:02
